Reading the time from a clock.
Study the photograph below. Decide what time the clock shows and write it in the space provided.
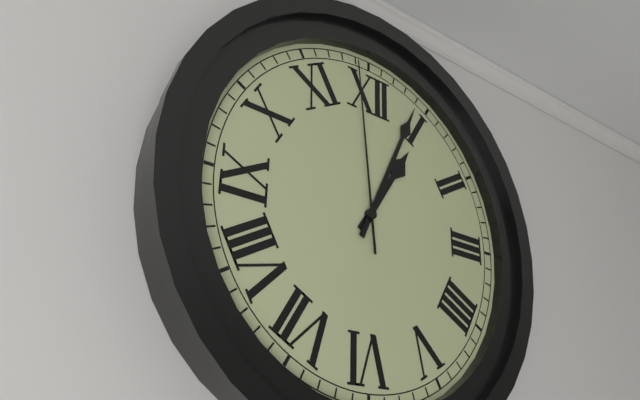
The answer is 1:04:59
